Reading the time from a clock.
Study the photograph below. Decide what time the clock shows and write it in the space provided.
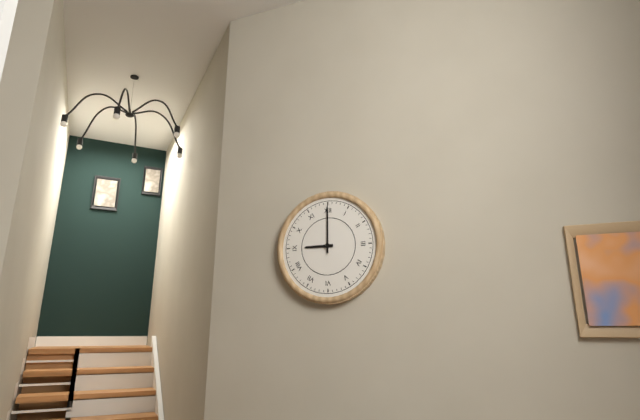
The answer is 9:00
